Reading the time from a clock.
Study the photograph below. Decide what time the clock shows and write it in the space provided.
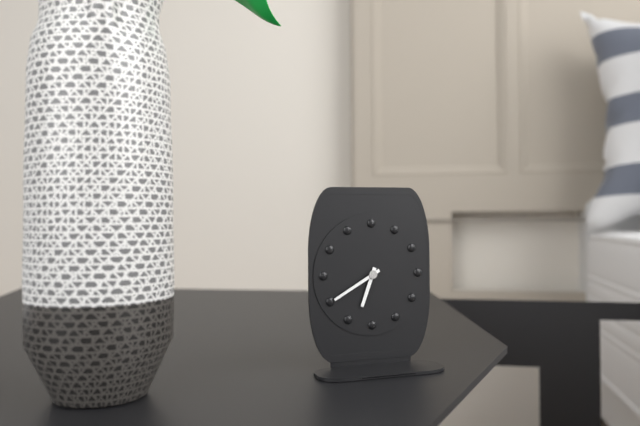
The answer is 6:40
